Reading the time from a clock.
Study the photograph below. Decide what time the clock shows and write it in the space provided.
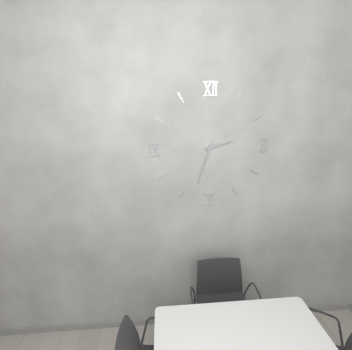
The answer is 2:33
